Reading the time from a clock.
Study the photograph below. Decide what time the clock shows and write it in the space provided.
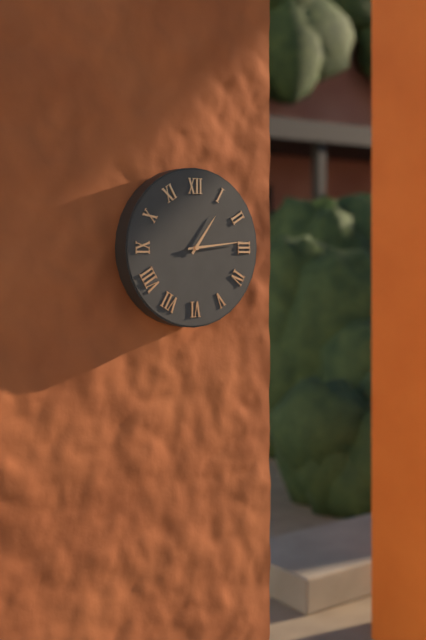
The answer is 1:14
